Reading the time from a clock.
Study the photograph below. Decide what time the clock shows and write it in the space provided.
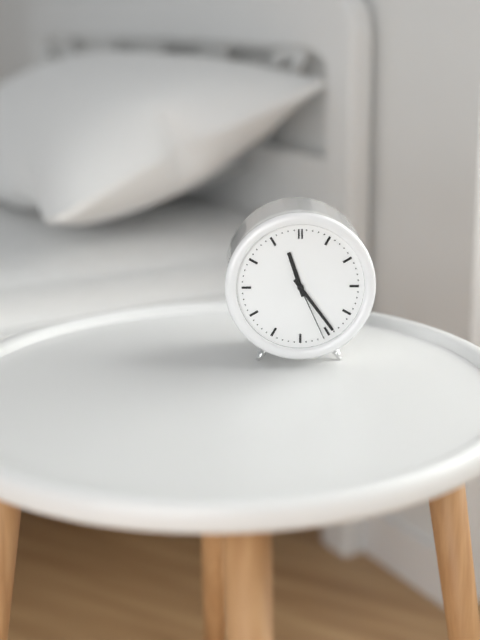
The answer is 11:24:26
